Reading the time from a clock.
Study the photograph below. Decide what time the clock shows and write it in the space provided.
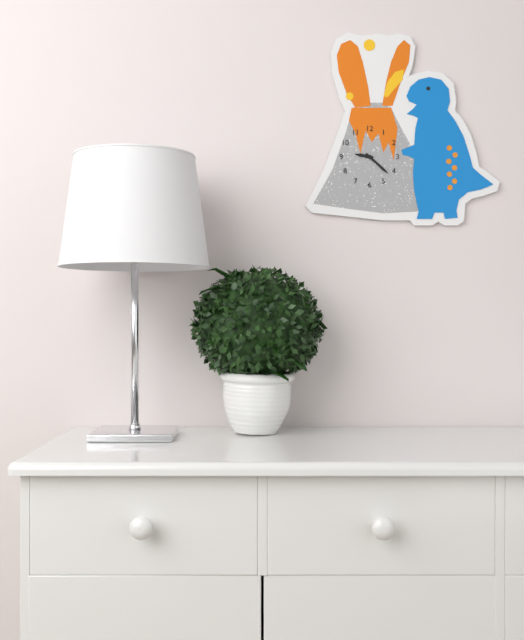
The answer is 9:22
